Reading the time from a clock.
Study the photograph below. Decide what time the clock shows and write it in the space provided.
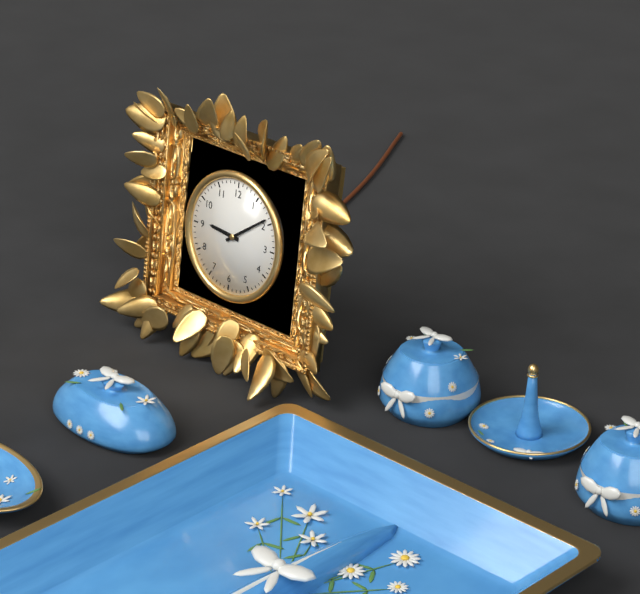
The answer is 9:09
